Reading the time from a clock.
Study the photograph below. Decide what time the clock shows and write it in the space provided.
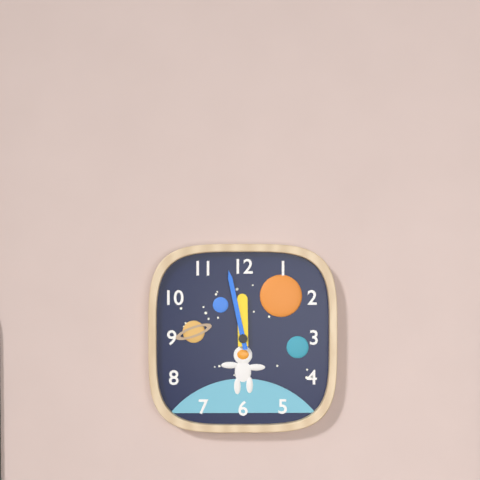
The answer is 11:58
